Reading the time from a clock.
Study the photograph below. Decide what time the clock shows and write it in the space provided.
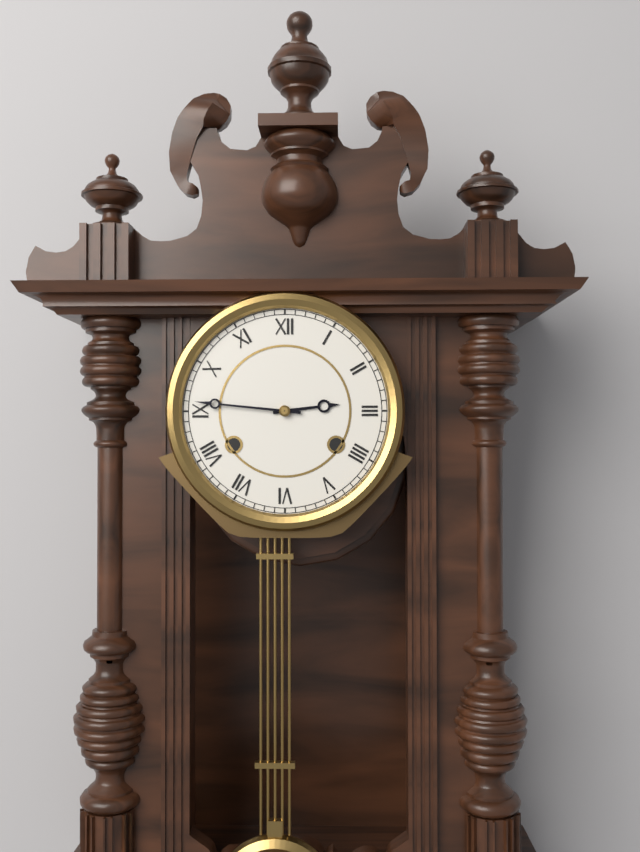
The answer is 2:46
